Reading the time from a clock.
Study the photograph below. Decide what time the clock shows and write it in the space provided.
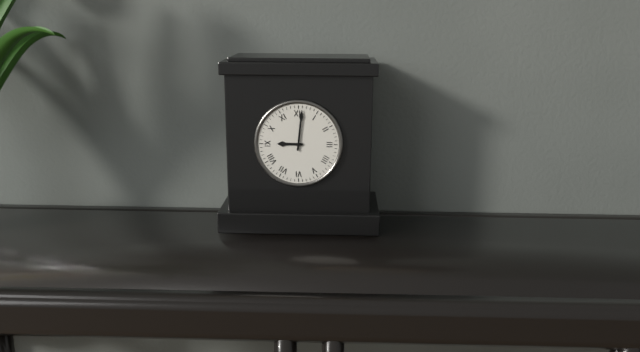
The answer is 9:01
